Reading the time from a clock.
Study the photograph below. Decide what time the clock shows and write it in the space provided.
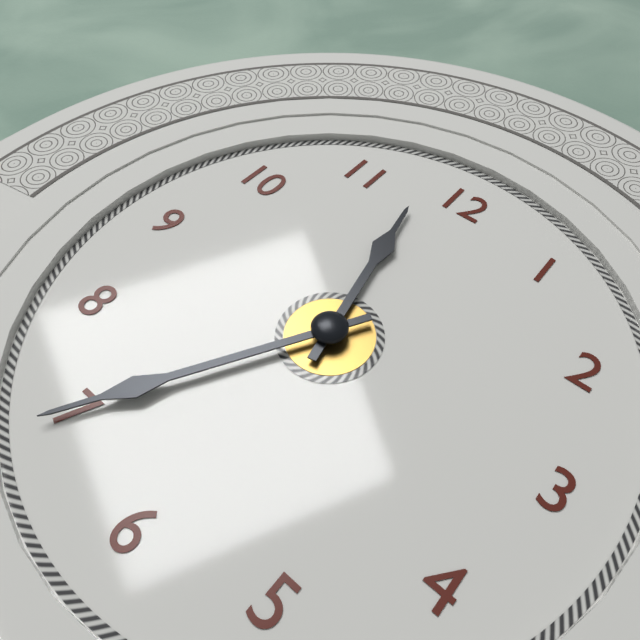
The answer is 11:35
